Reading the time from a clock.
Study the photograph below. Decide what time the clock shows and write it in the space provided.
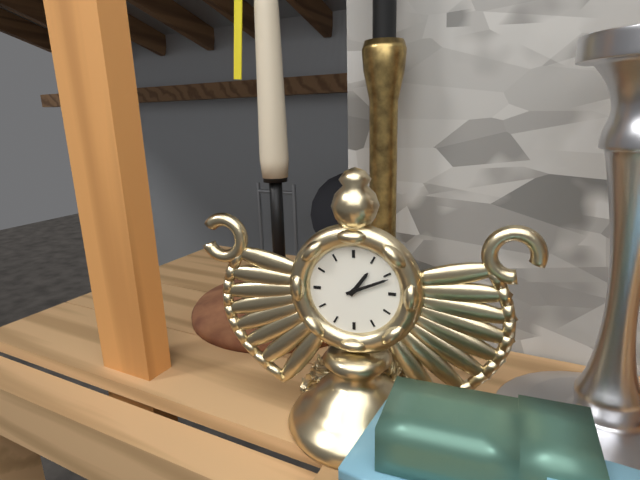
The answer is 1:11
